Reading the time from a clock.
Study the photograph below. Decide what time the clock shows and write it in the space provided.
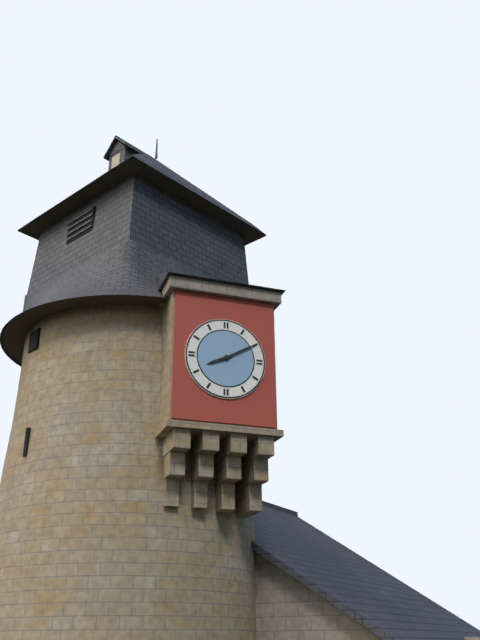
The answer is 8:10
